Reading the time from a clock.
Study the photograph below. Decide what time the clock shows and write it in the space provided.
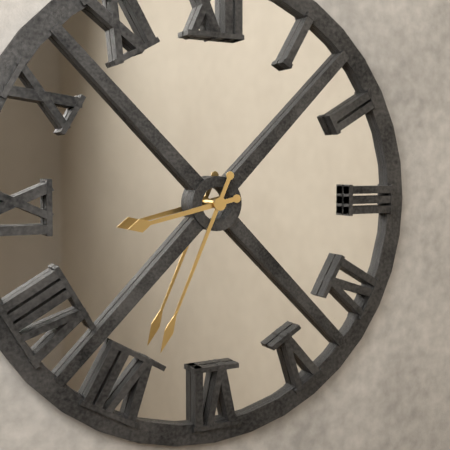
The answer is 8:34
